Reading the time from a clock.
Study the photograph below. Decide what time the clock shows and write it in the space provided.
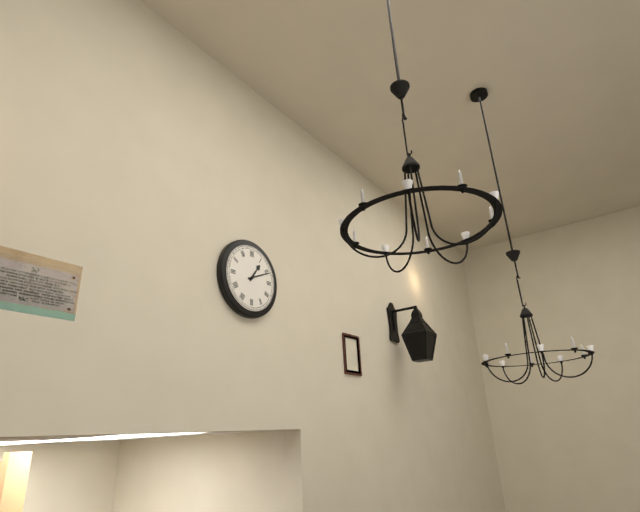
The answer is 1:11
